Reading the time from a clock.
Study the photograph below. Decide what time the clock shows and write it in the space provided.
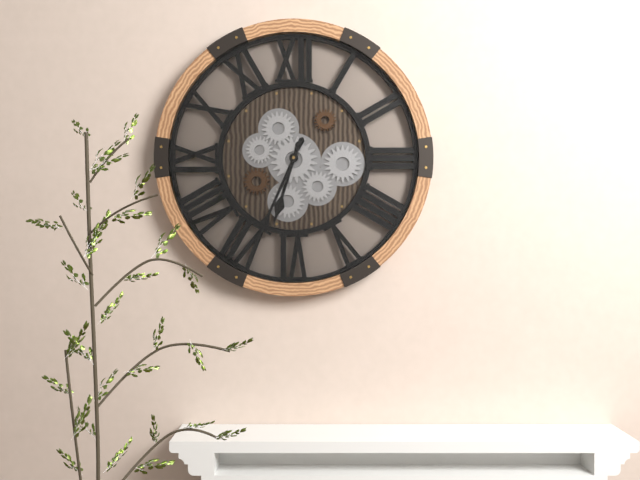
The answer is 6:34
